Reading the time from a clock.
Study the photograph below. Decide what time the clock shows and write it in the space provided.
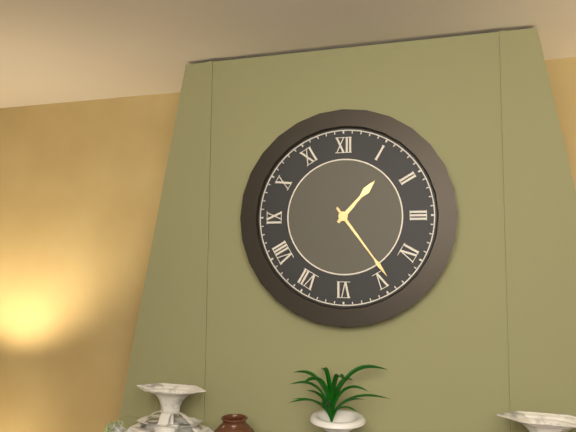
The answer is 1:24
